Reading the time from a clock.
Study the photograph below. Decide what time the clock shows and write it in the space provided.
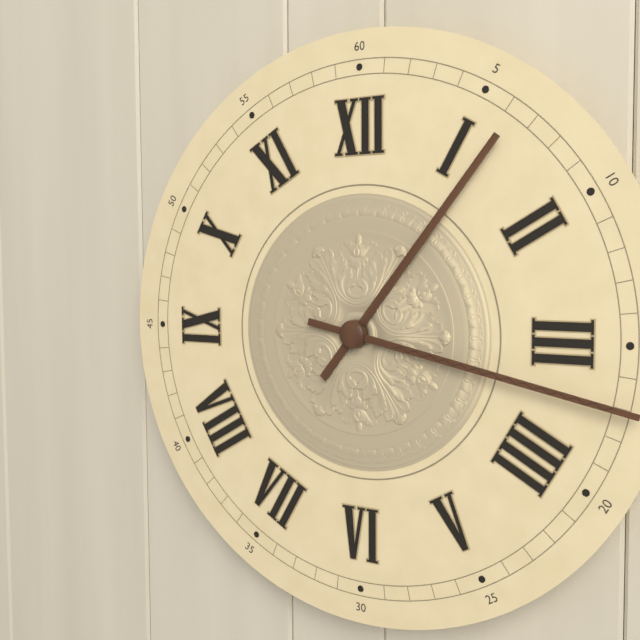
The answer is 1:17
